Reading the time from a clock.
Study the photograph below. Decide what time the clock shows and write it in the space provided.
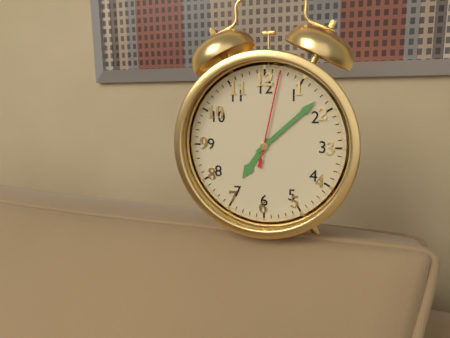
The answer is 7:08:02
